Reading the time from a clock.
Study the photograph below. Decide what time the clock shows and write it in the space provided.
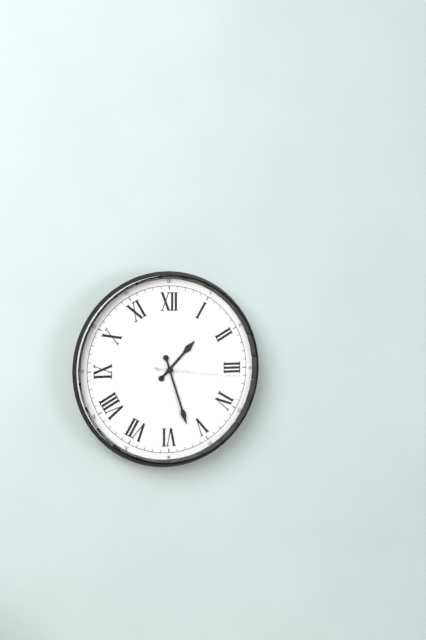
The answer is 1:27:16
